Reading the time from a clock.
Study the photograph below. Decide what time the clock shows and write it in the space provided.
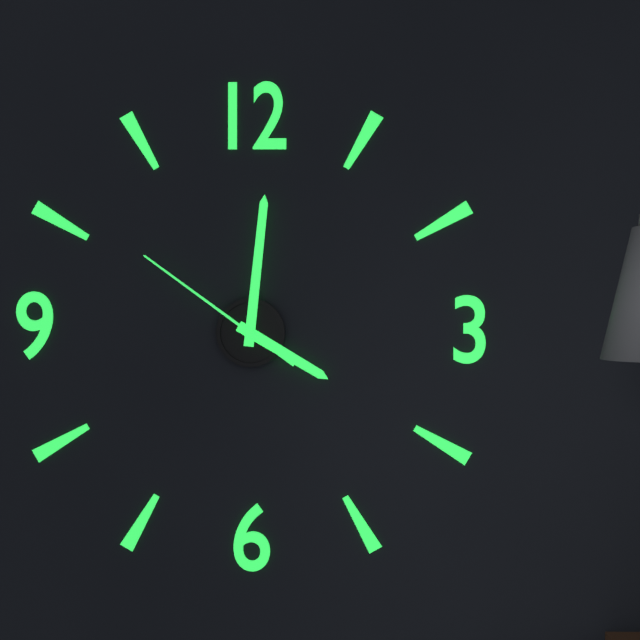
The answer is 4:01:51
